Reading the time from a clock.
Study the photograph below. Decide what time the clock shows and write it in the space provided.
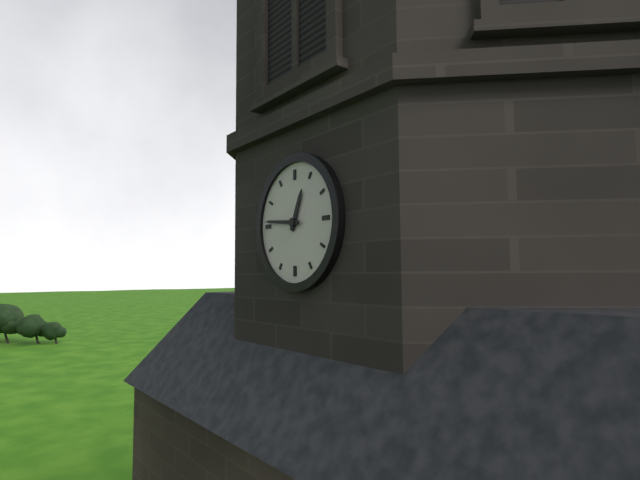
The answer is 12:46
